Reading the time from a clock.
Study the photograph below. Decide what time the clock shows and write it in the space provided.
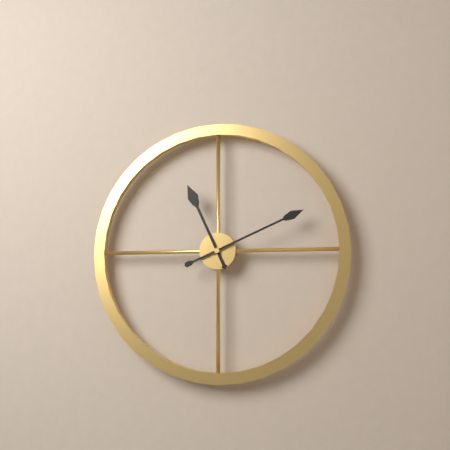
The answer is 11:11
